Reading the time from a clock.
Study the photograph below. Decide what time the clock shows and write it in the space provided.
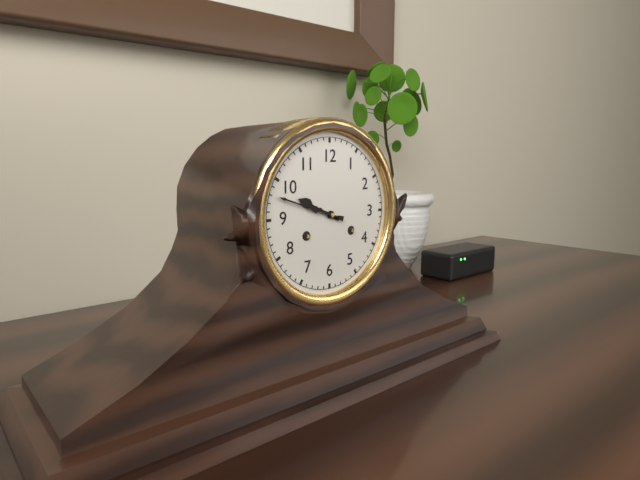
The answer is 9:48
